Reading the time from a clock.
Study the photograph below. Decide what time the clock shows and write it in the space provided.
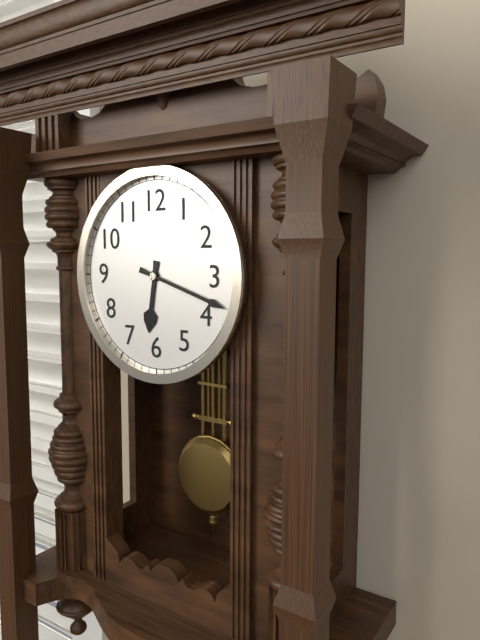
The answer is 6:18
